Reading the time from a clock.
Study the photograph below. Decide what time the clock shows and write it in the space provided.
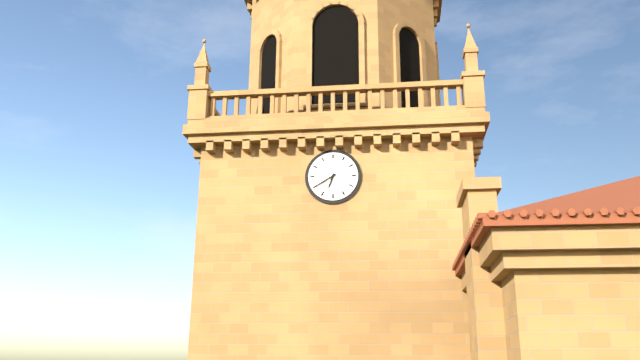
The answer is 6:40
